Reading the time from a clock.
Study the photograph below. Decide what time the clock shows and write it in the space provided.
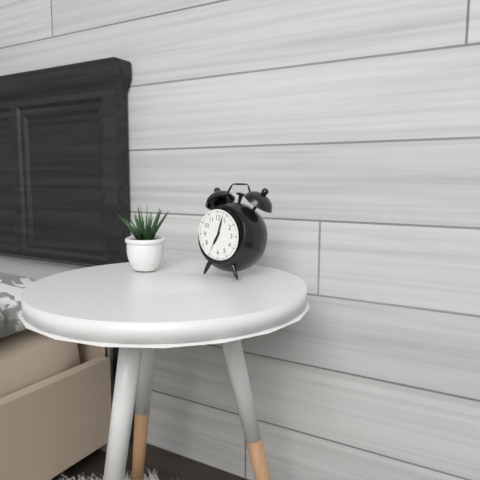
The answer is 7:03
